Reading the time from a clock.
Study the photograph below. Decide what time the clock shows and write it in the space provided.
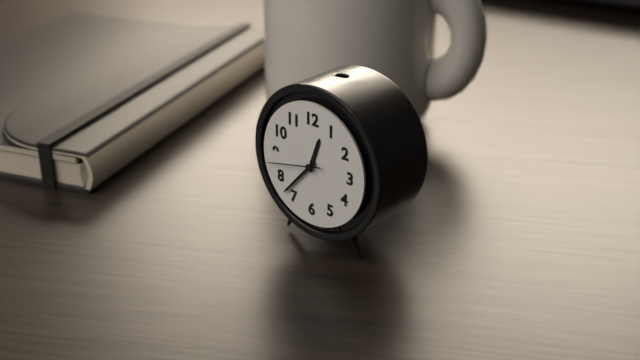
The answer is 12:37:43
